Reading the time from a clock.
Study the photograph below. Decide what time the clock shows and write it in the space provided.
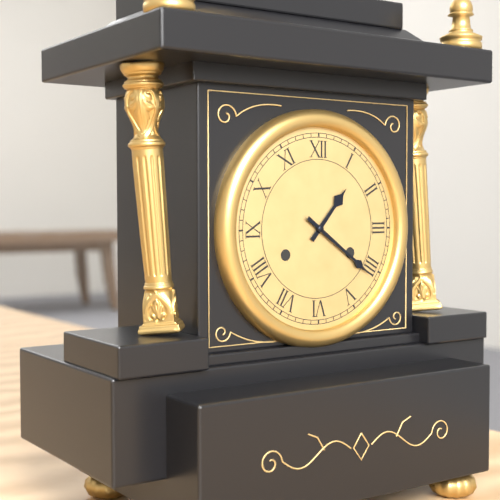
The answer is 1:21
